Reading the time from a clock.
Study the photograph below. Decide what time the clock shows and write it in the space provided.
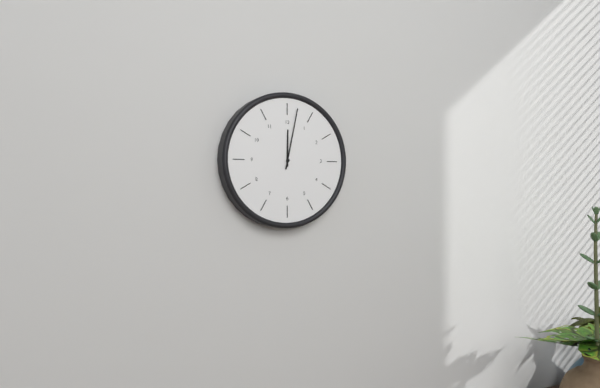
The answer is 12:02
